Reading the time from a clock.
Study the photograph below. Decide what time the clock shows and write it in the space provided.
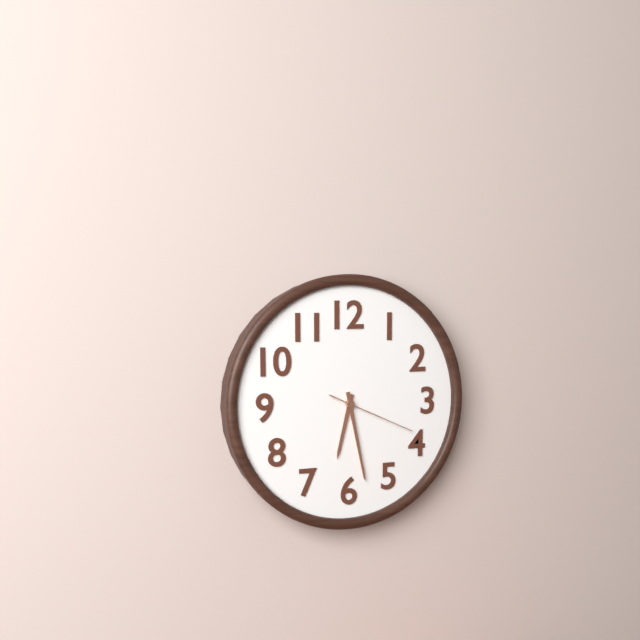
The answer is 6:28:19
